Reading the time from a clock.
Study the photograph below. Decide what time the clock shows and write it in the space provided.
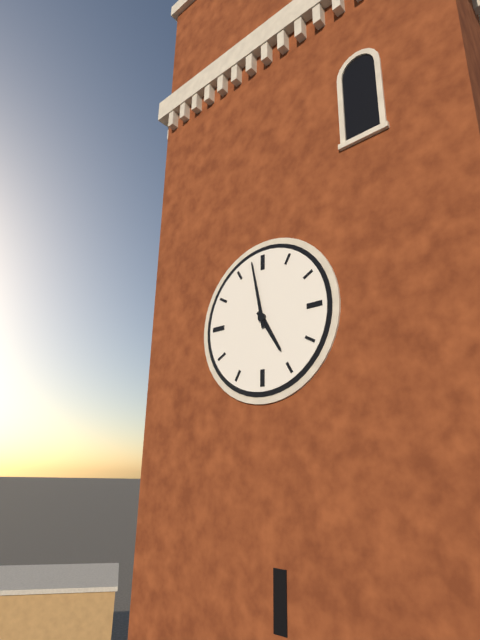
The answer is 4:58
